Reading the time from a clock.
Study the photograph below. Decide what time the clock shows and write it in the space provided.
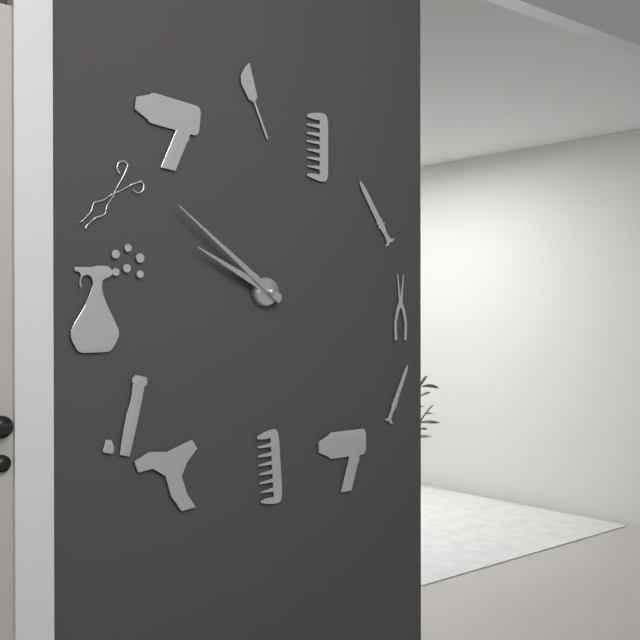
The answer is 9:51
